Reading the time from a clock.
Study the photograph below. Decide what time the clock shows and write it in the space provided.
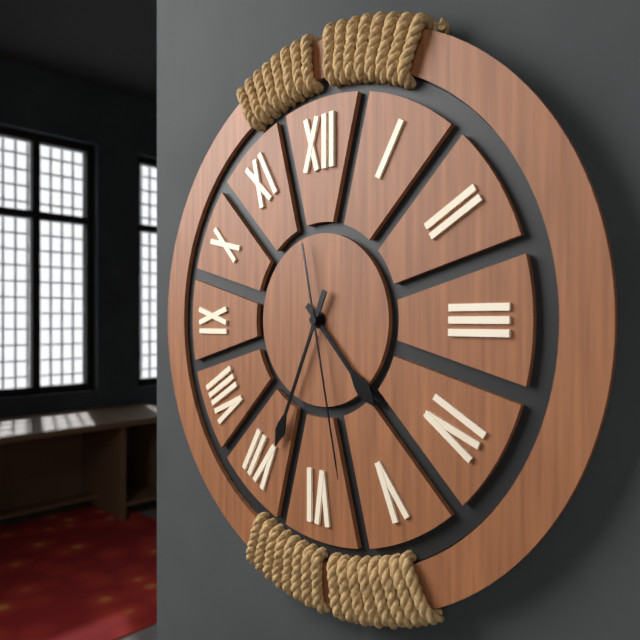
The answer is 4:34:28
